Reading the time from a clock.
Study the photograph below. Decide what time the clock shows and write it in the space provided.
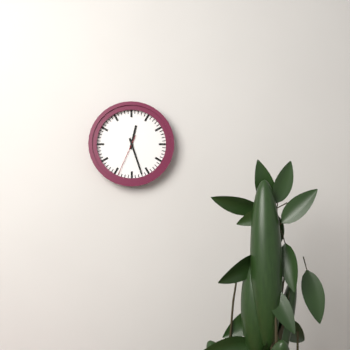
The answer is 12:27
